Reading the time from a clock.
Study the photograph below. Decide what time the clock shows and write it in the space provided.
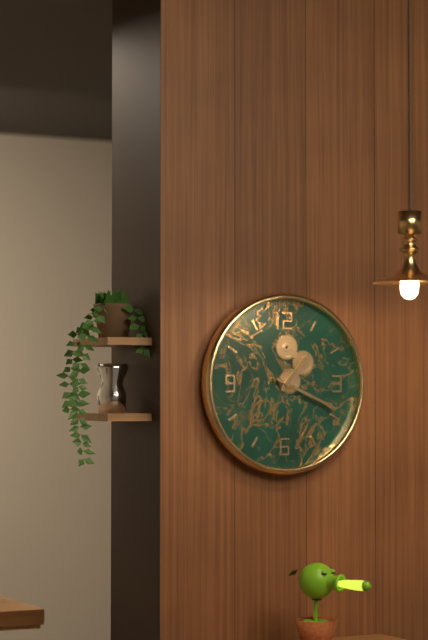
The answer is 1:19
